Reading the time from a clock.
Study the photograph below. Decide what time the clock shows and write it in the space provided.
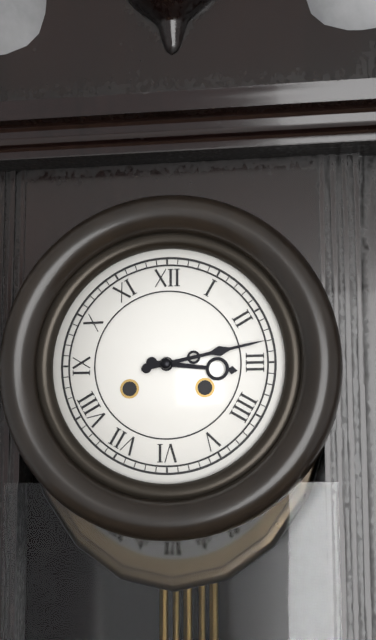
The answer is 3:13
